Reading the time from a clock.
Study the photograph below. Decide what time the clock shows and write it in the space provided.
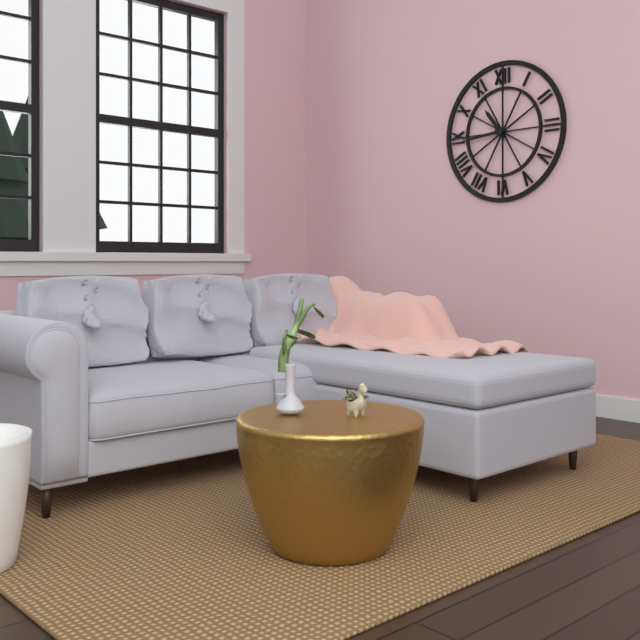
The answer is 10:44
